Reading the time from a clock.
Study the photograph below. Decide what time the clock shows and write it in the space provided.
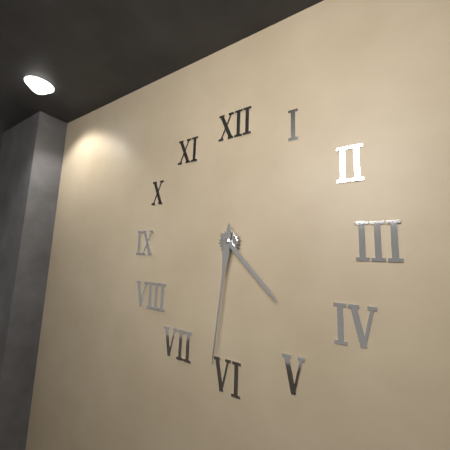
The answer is 4:31
